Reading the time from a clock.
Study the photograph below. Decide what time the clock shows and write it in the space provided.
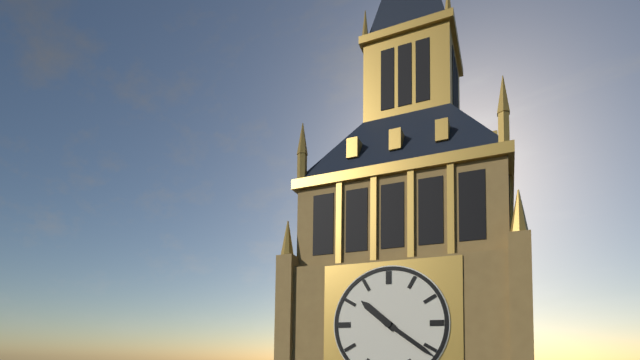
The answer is 10:21
